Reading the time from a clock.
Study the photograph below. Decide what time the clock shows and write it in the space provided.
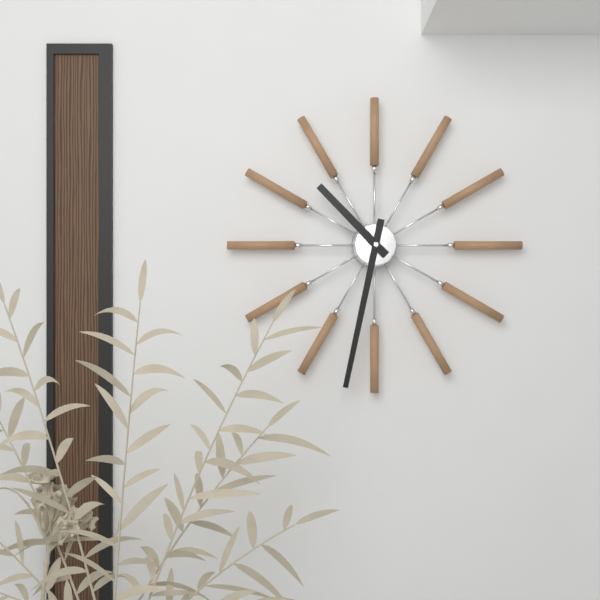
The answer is 10:32
